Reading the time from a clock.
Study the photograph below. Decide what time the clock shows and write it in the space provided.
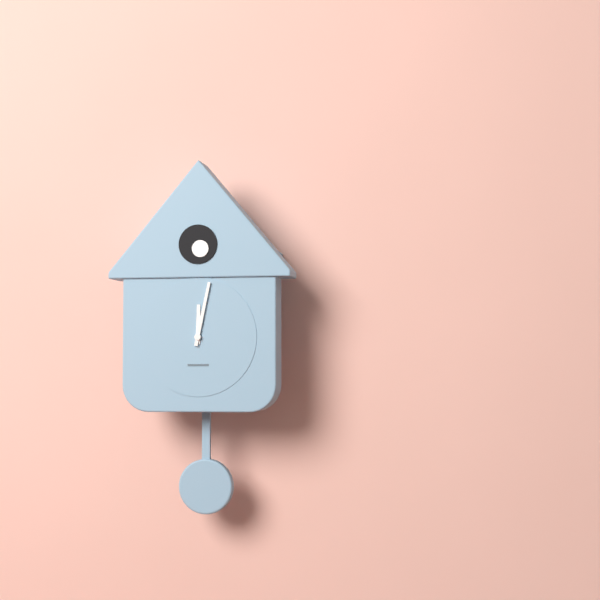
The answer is 12:02
